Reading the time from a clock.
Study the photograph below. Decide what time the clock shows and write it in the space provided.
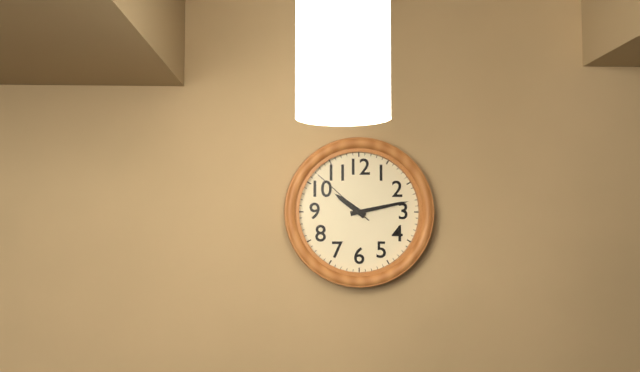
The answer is 10:13:52
